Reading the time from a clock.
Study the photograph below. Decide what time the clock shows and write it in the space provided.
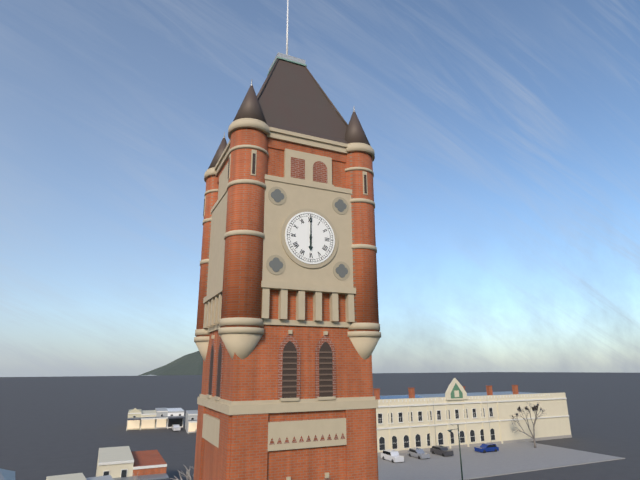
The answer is 6:00
